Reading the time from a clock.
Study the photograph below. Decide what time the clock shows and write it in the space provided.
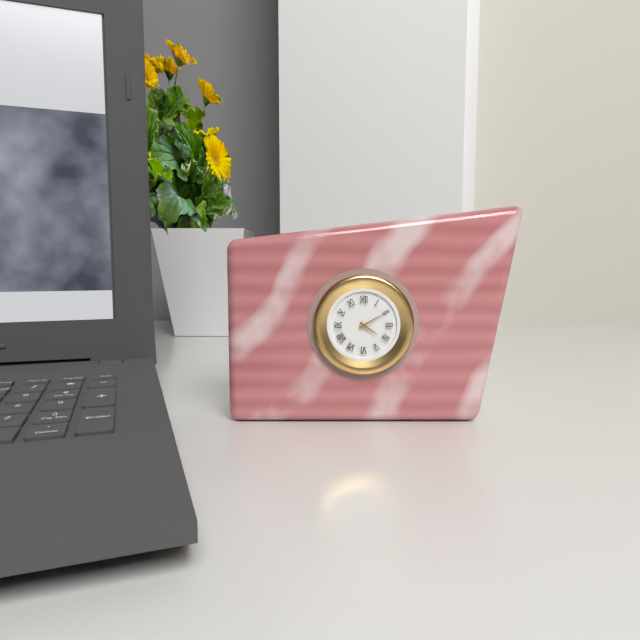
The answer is 4:10
